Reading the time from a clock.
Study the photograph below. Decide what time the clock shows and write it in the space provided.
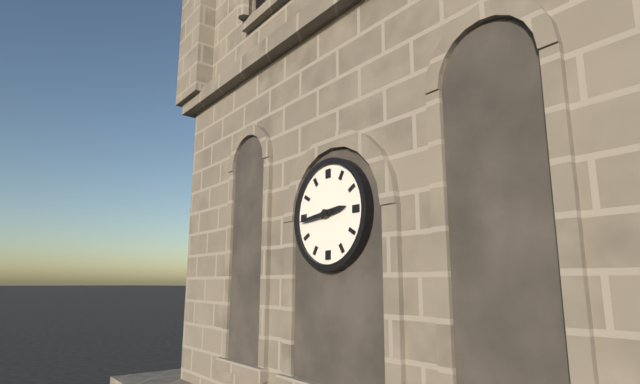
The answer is 2:44
